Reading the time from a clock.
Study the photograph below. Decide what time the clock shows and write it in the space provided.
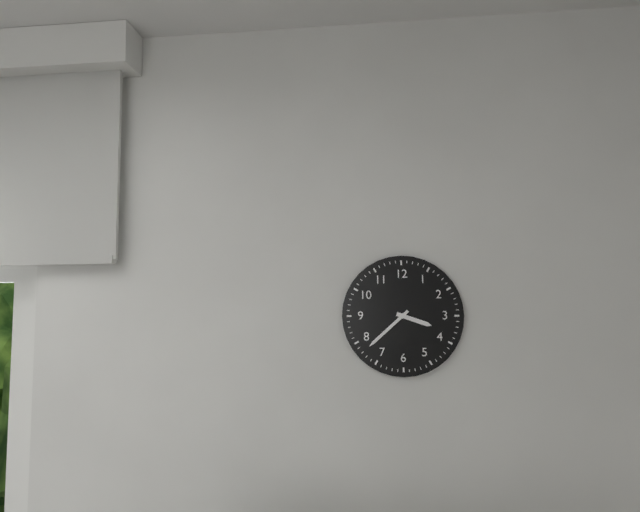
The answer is 3:38
